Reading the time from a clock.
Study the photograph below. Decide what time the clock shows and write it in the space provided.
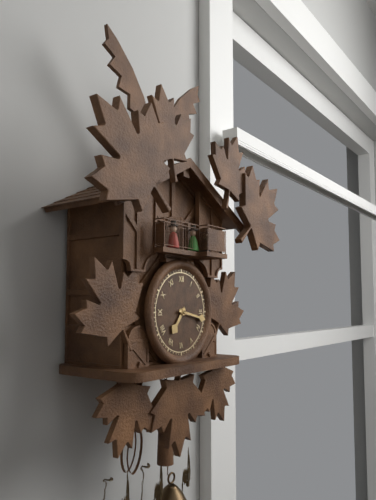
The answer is 7:17
